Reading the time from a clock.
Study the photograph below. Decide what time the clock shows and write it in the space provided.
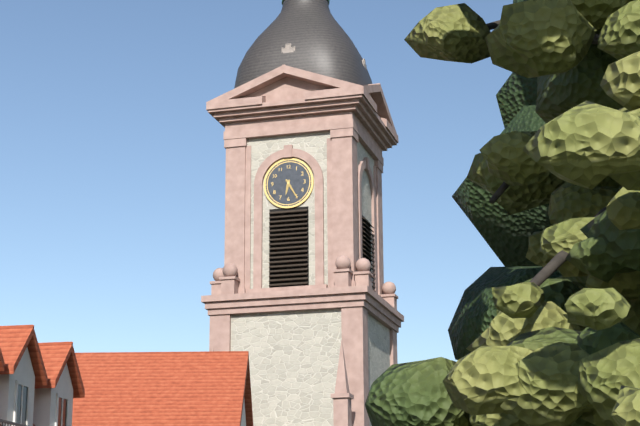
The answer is 6:25
